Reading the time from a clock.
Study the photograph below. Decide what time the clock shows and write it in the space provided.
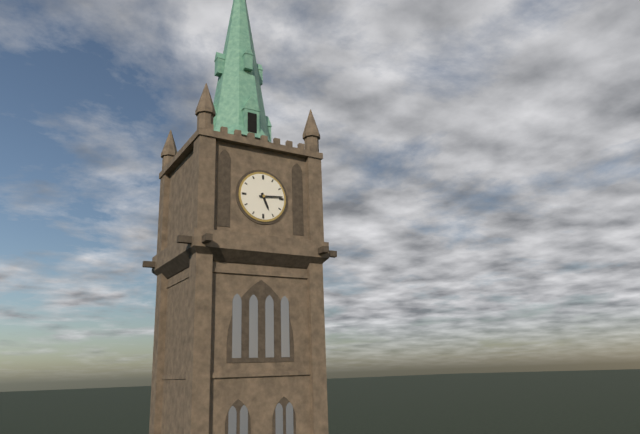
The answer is 5:14
